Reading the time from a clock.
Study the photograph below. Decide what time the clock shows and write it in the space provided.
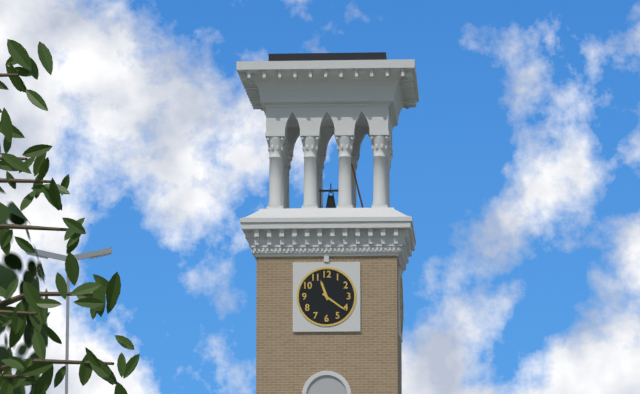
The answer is 11:21
